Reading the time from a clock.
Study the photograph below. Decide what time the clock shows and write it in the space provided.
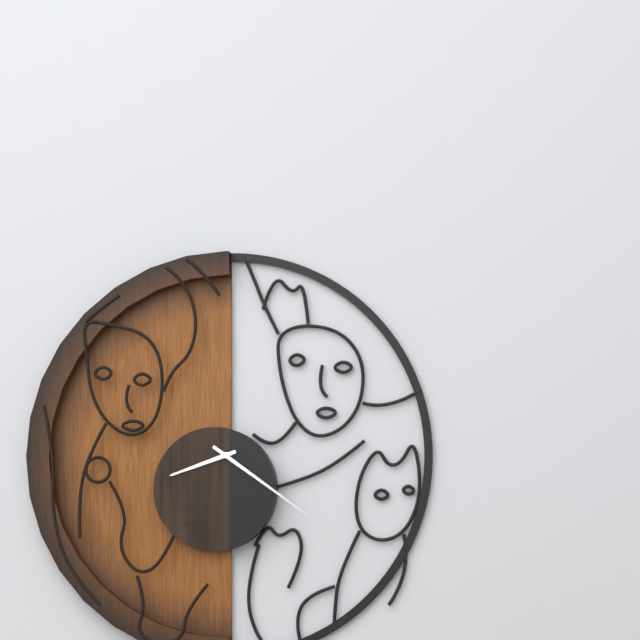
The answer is 8:21
